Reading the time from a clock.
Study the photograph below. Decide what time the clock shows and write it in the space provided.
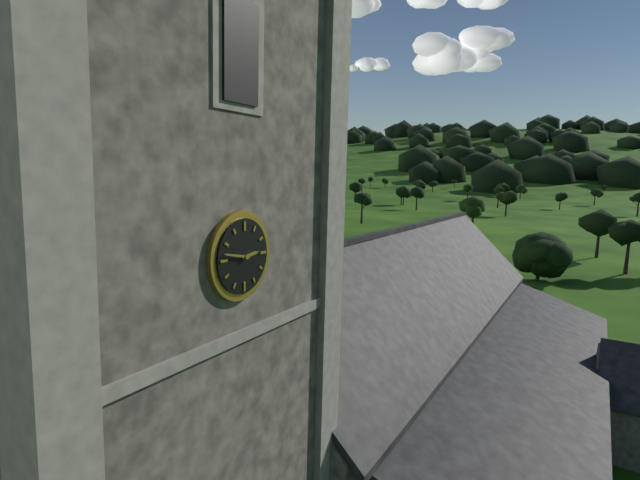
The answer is 2:47
